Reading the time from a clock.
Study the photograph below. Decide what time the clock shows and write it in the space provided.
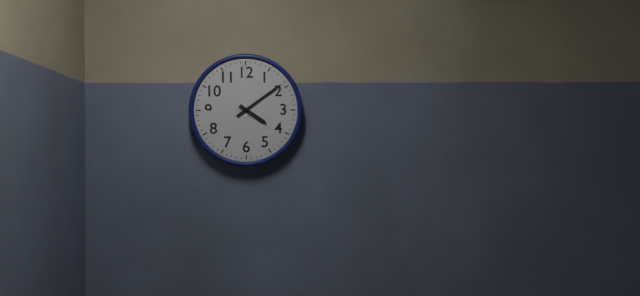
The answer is 4:09
